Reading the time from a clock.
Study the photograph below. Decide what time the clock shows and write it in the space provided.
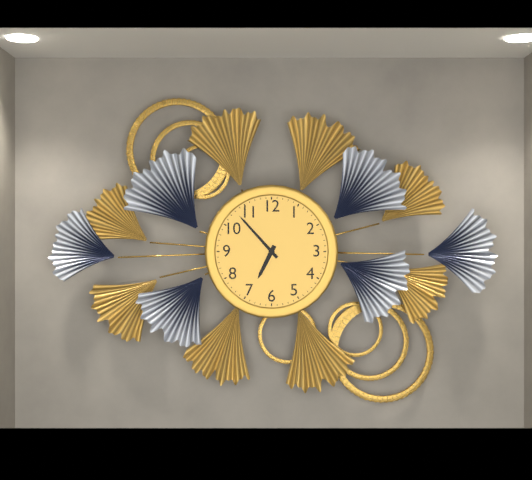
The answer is 6:53
